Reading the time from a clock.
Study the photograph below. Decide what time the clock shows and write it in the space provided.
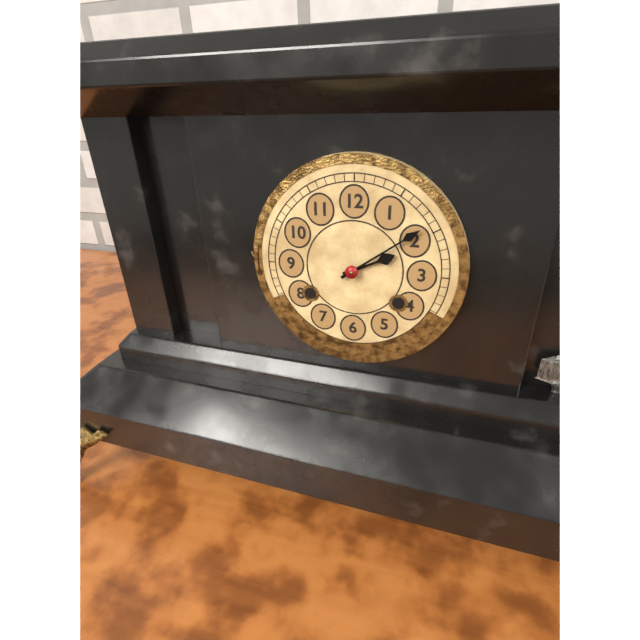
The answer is 2:09
